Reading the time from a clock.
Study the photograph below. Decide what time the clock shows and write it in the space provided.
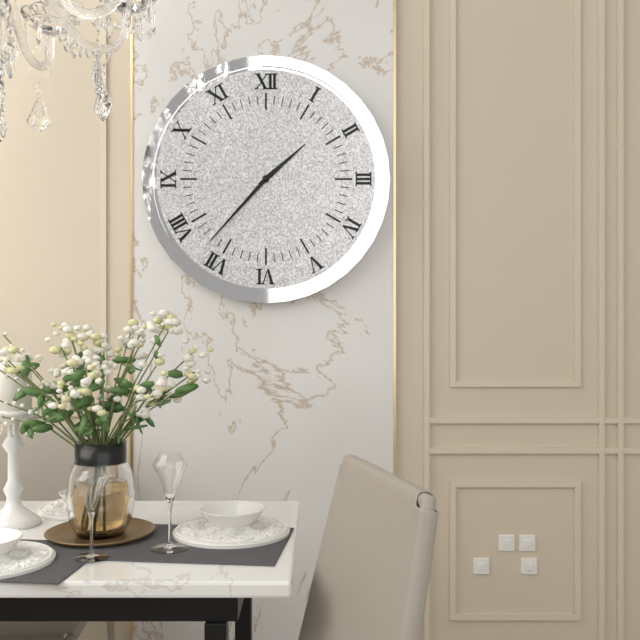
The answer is 1:37
